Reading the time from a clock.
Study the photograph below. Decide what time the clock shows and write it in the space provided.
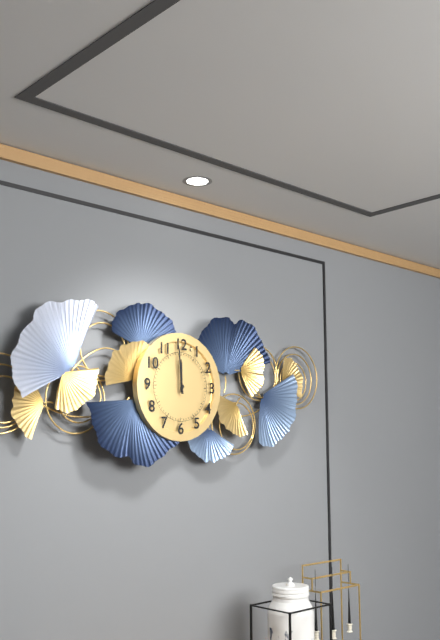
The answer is 11:59
